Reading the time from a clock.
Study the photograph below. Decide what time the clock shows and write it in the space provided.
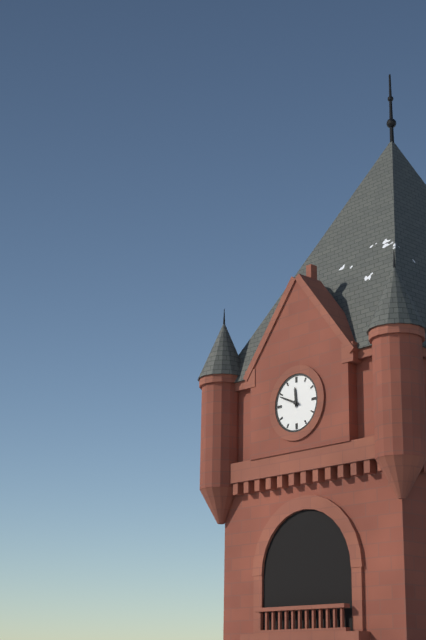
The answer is 11:49
